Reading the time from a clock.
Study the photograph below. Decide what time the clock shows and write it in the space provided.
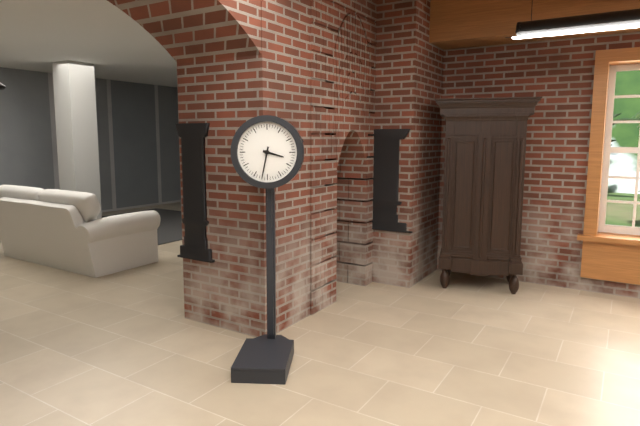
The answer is 3:32
